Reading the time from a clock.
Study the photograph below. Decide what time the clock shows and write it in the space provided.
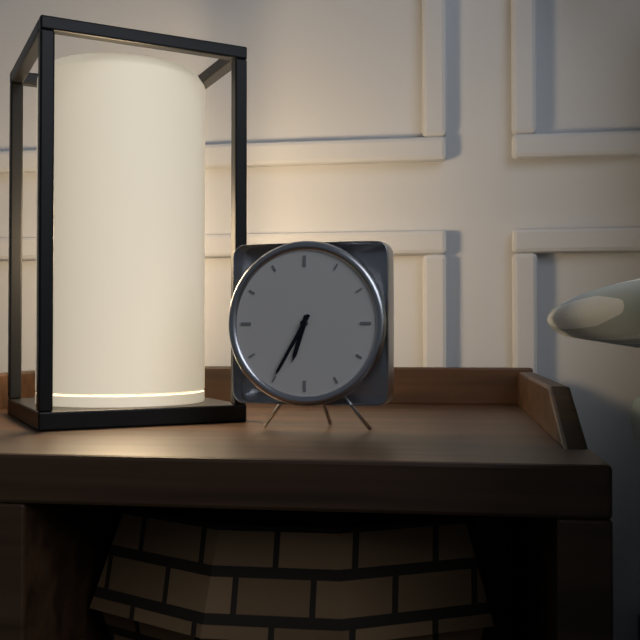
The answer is 6:35
